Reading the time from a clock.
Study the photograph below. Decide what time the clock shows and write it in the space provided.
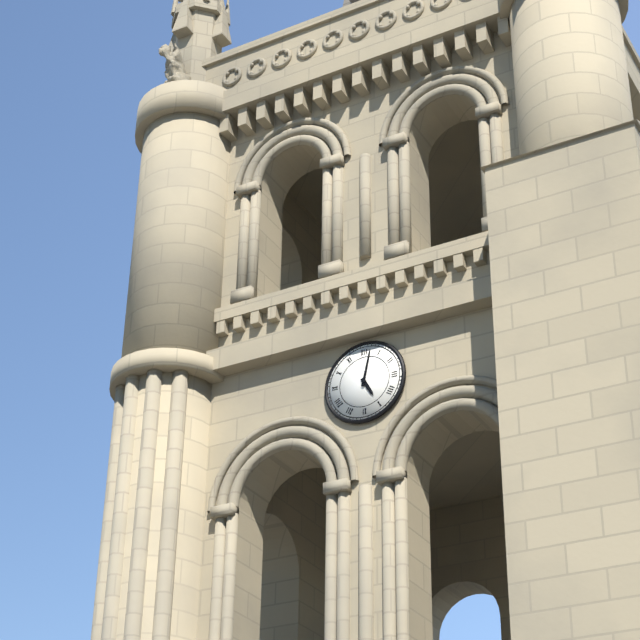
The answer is 5:02
